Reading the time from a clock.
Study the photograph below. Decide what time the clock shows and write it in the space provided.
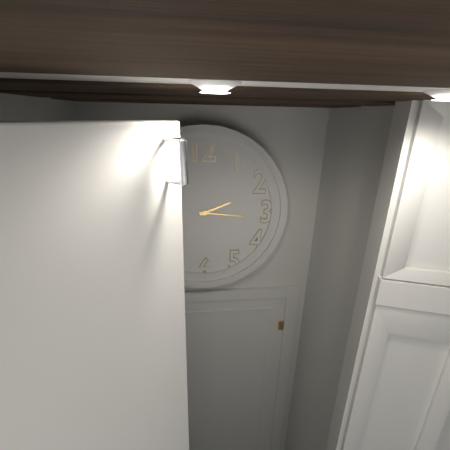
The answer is 2:16
